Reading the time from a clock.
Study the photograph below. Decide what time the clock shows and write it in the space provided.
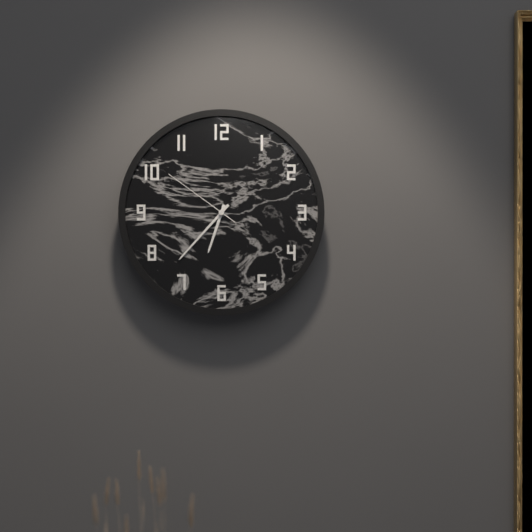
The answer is 6:37:51
